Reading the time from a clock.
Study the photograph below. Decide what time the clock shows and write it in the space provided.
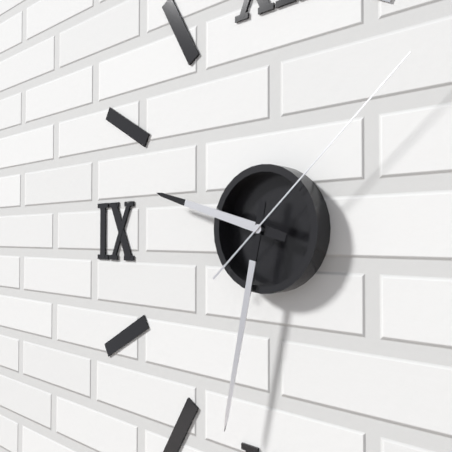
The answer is 9:32:08
